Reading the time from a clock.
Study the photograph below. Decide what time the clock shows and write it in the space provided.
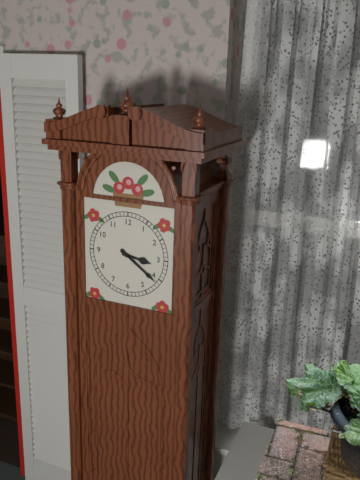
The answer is 3:21
